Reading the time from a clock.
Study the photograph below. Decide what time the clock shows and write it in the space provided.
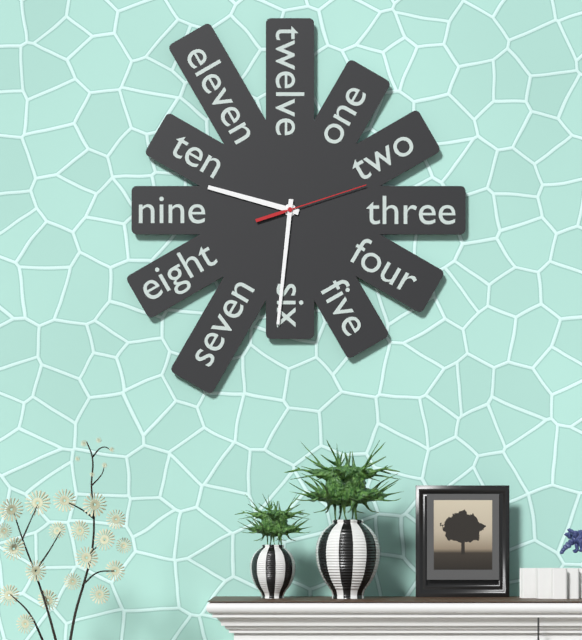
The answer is 9:31:12
